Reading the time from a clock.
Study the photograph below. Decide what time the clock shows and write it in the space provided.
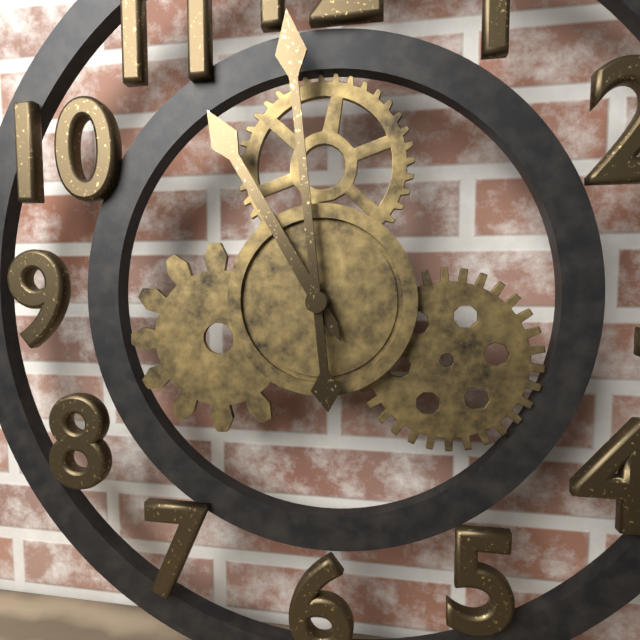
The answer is 10:59
